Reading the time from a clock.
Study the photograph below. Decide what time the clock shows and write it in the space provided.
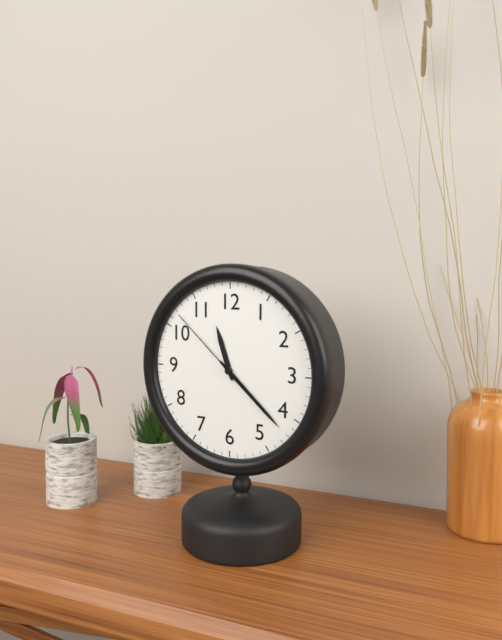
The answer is 11:22:52
